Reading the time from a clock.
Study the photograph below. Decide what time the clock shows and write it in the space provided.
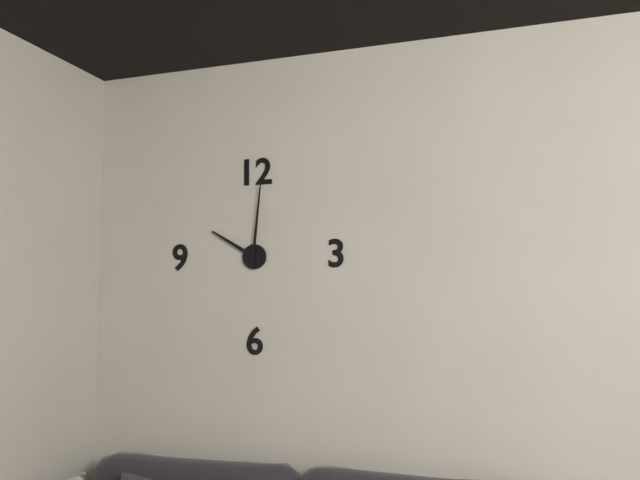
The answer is 10:01
